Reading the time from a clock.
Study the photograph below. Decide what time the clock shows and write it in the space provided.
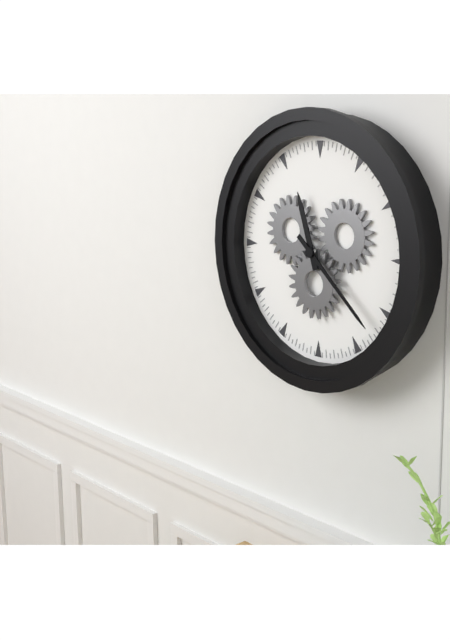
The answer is 11:22
